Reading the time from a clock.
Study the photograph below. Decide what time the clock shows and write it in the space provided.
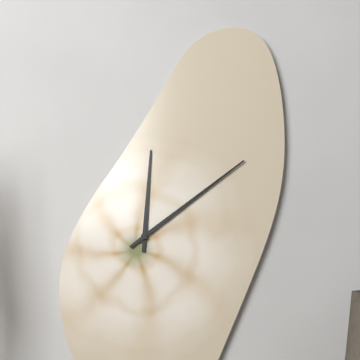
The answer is 12:09
